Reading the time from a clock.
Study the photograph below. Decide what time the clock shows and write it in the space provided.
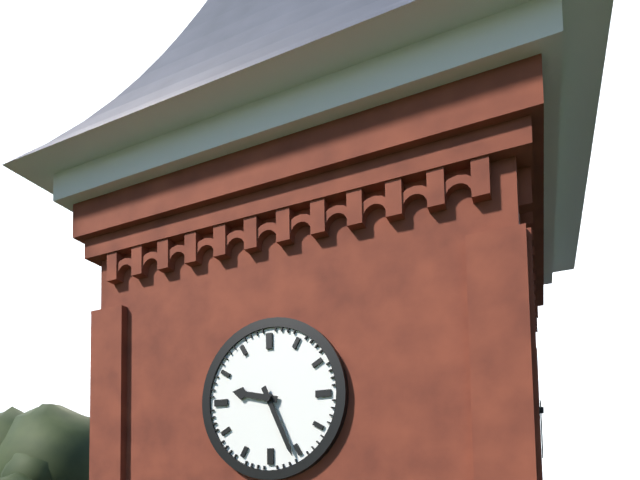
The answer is 9:26
